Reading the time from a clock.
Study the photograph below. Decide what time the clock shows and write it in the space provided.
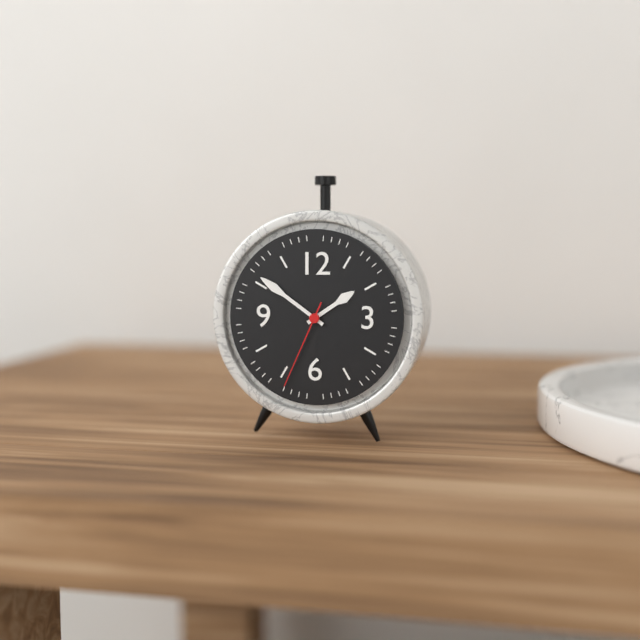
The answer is 1:51:34
